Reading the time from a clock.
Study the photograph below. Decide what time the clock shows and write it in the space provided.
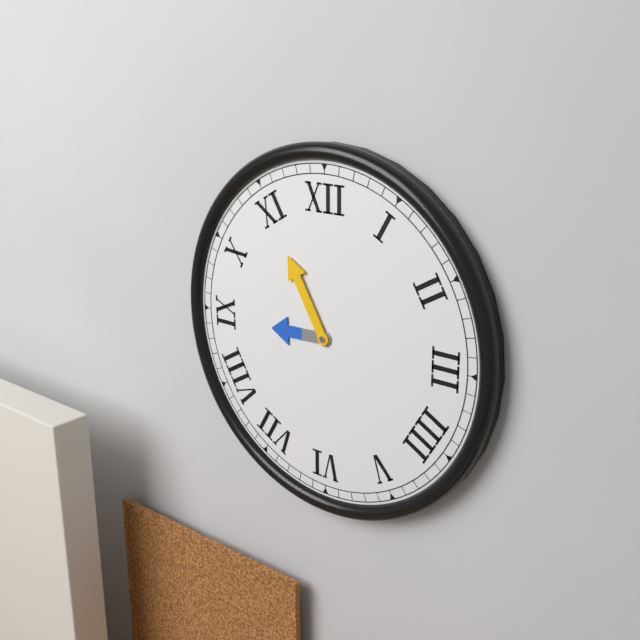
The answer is 8:55
